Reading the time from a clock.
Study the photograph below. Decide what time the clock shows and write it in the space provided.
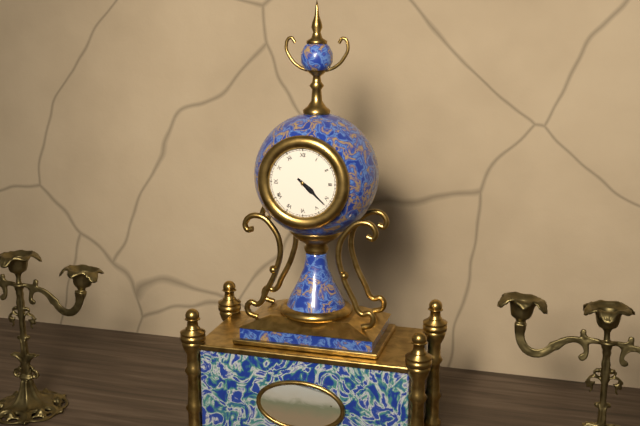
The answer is 4:22
